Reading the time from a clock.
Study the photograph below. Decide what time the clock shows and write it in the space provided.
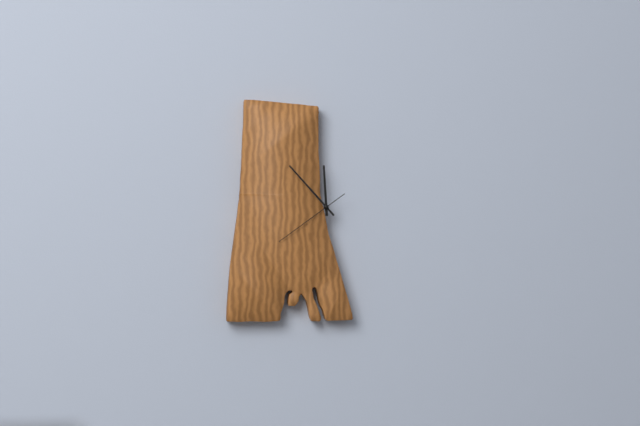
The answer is 11:53:39
